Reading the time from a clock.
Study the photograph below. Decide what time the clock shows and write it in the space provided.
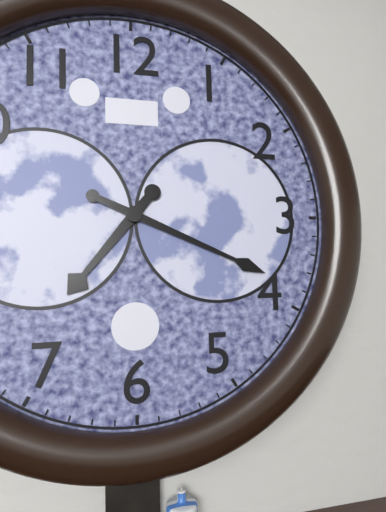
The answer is 7:19
